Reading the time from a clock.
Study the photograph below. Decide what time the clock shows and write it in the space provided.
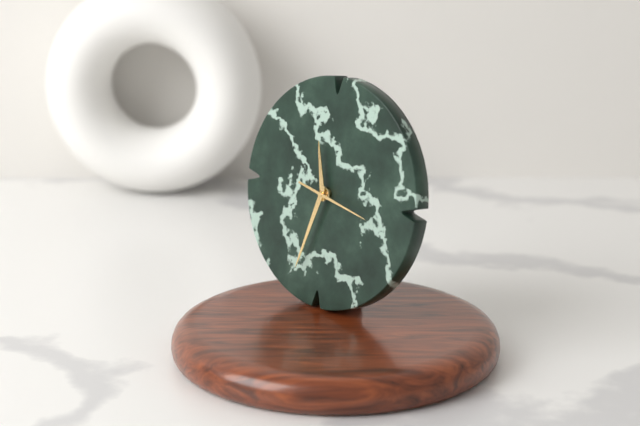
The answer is 11:33:17
